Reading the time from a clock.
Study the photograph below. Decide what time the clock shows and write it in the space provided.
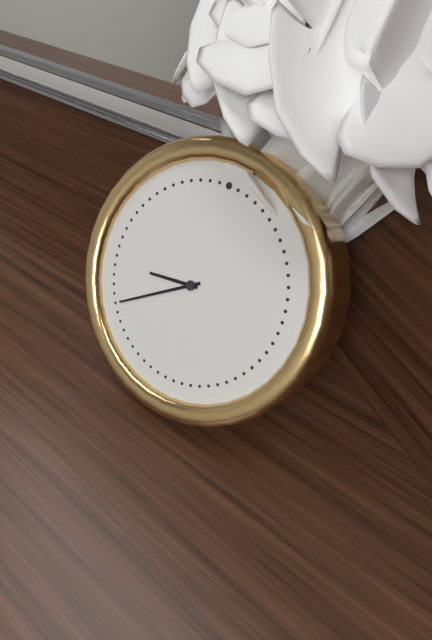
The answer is 8:39
